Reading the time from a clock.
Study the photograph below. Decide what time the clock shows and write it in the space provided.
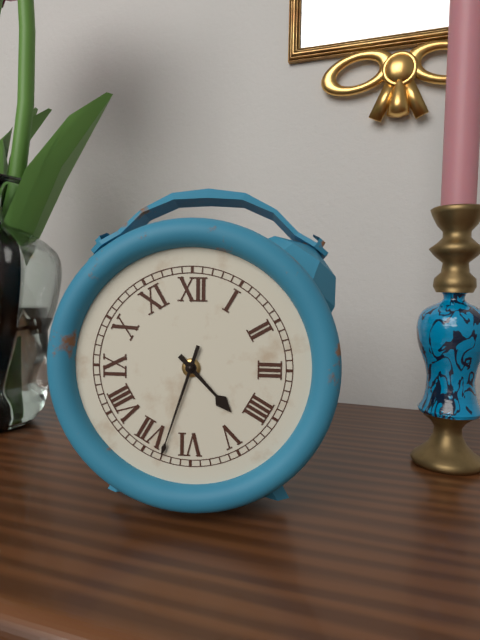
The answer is 4:33
